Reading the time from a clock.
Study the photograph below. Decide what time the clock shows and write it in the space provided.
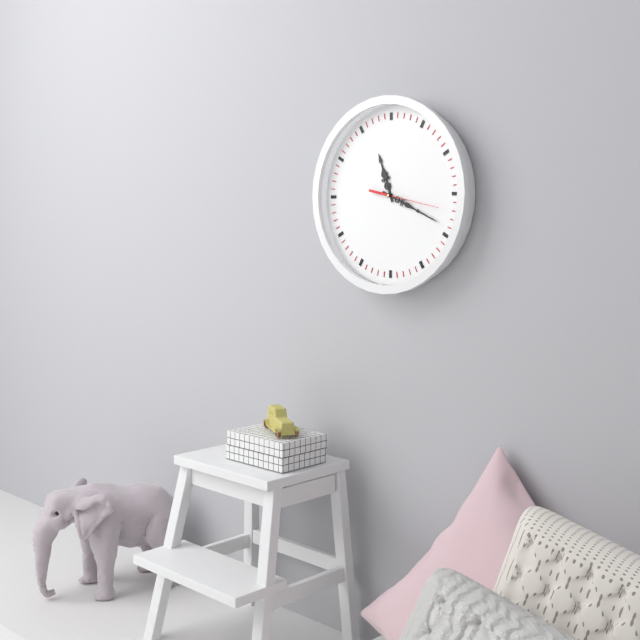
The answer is 11:19:17
